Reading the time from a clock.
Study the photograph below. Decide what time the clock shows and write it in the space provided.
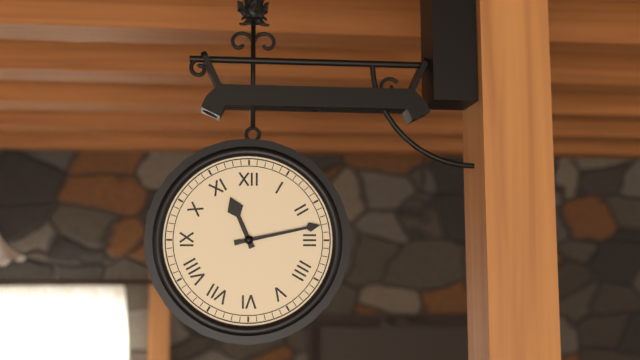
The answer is 11:13
